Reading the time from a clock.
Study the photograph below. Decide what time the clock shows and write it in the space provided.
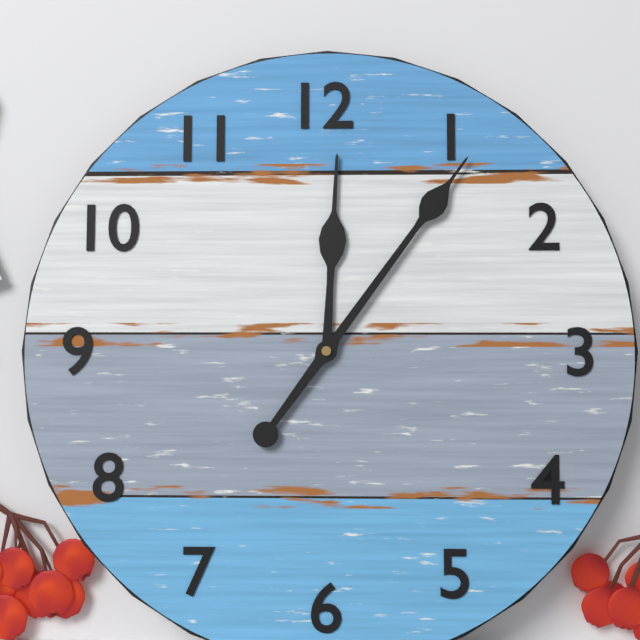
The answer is 12:06
